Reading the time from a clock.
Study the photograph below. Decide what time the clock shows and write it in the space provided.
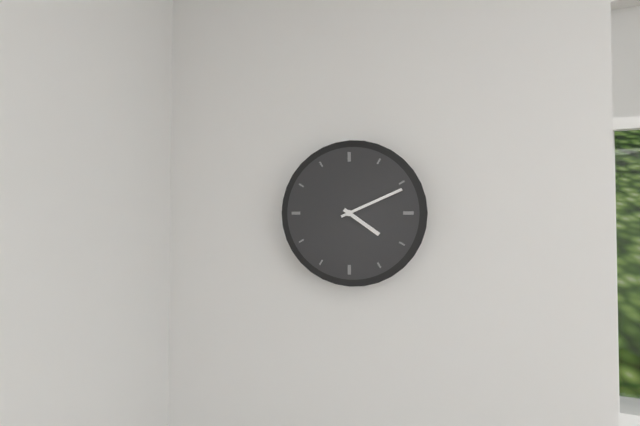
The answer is 4:11
